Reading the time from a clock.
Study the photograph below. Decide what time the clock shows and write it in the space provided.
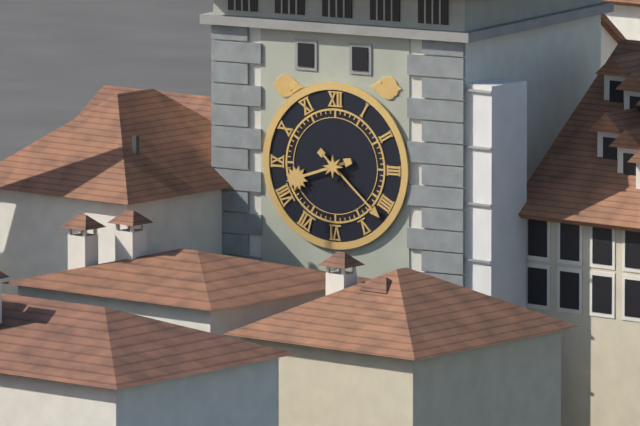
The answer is 8:22
